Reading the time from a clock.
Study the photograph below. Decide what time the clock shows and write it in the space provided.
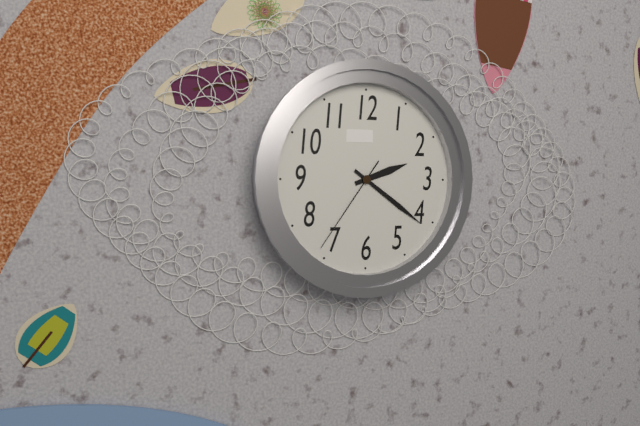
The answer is 2:21:36
